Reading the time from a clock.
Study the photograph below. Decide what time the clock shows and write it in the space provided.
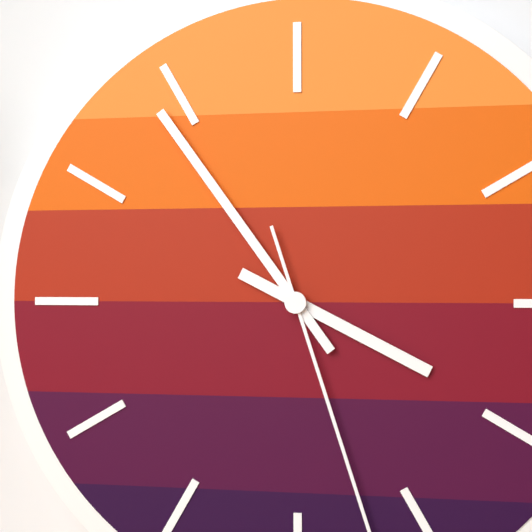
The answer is 3:54
